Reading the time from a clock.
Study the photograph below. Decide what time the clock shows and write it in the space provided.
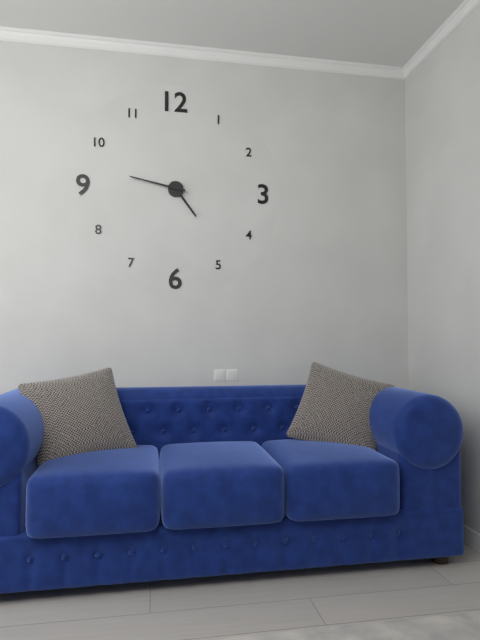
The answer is 4:47
